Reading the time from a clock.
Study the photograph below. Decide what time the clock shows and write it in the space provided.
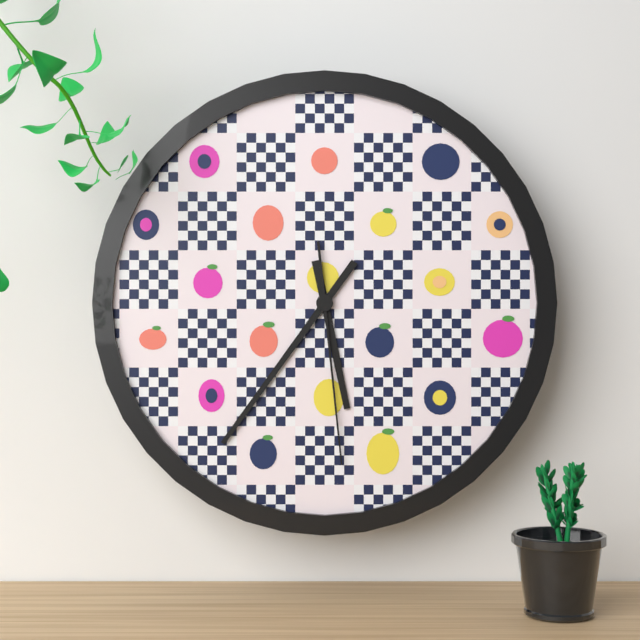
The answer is 5:36:29
